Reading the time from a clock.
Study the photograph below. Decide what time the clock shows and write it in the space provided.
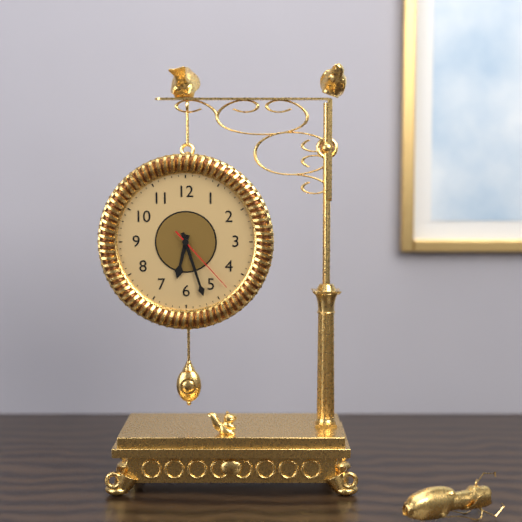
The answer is 6:27:23
